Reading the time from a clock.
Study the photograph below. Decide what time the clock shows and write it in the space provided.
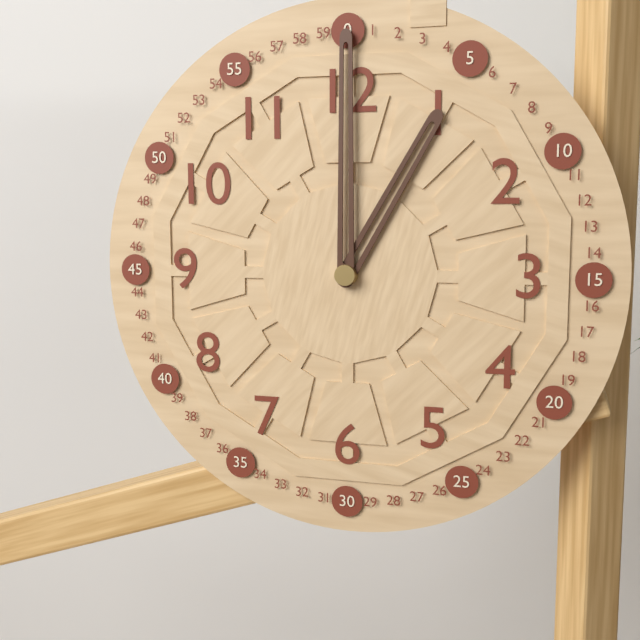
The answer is 1:00
